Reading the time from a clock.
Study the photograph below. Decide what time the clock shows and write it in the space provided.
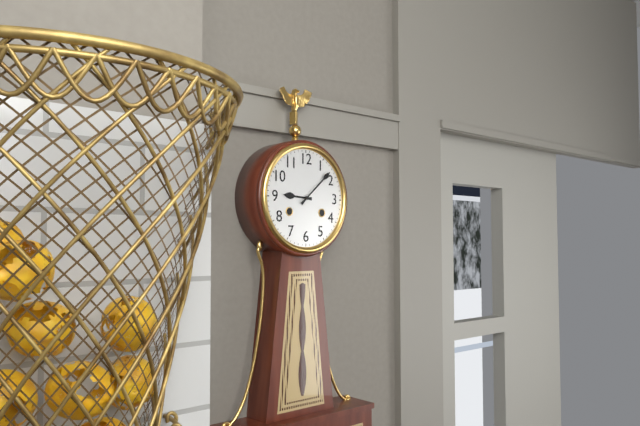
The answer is 9:08
